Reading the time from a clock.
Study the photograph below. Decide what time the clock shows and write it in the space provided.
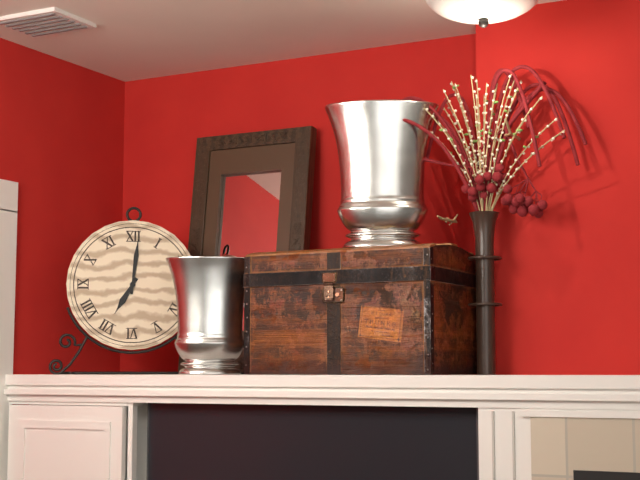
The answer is 7:01
